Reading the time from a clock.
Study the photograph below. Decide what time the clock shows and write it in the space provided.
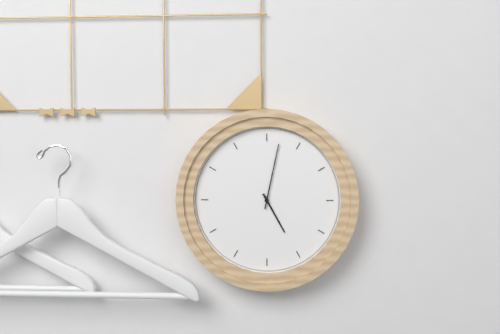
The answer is 5:02
